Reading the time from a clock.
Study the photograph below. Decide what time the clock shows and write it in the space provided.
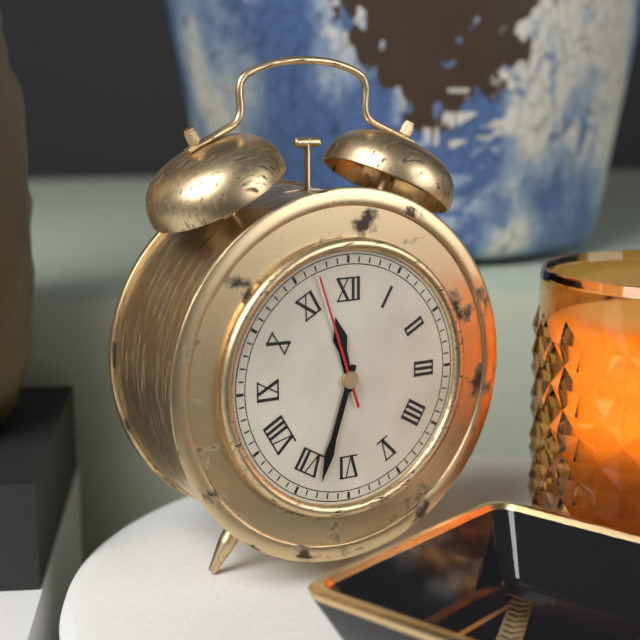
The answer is 11:33:57
